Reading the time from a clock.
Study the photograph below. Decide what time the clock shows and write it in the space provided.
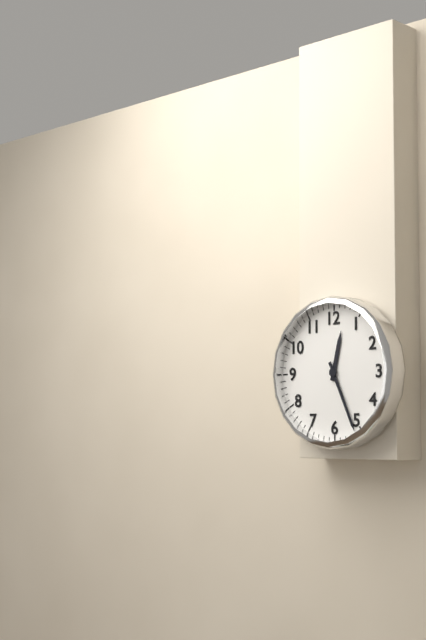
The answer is 12:26
